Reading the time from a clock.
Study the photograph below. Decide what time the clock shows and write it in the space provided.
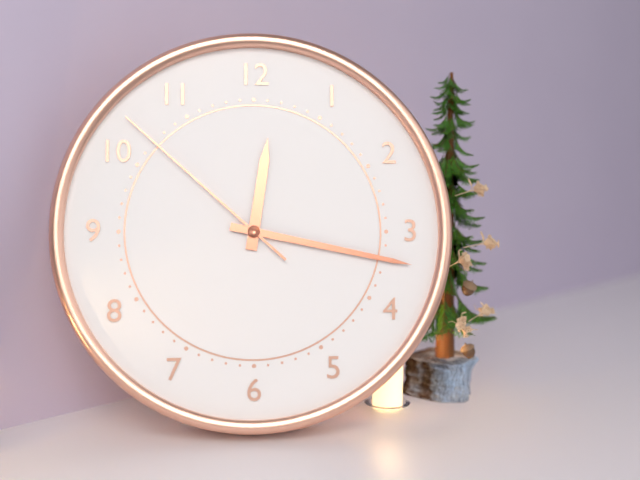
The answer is 12:17:52
